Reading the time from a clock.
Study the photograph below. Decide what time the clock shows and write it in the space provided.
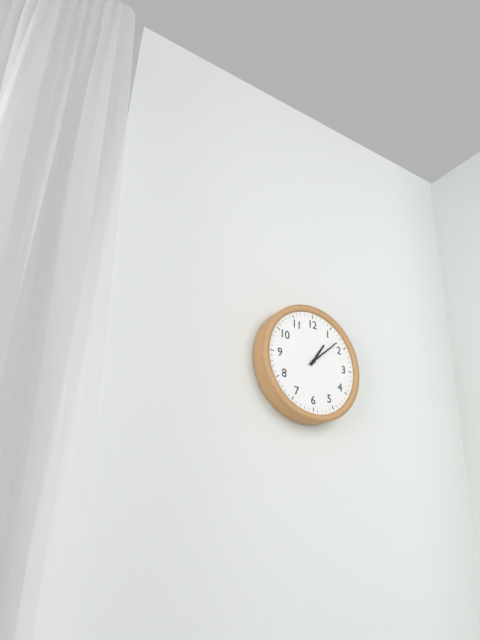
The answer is 1:08
